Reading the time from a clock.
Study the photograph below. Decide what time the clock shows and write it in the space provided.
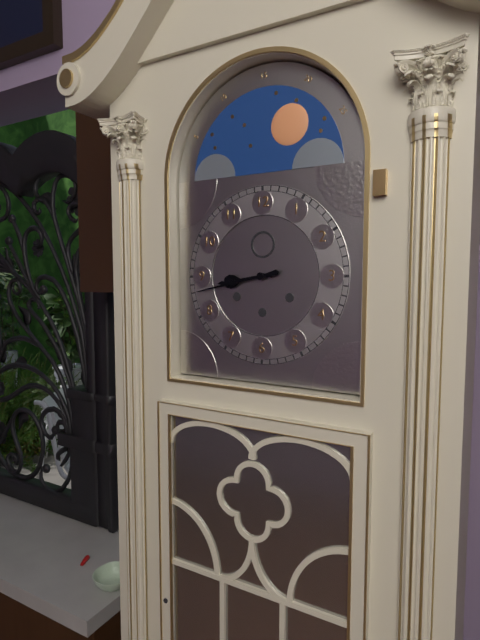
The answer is 8:43
